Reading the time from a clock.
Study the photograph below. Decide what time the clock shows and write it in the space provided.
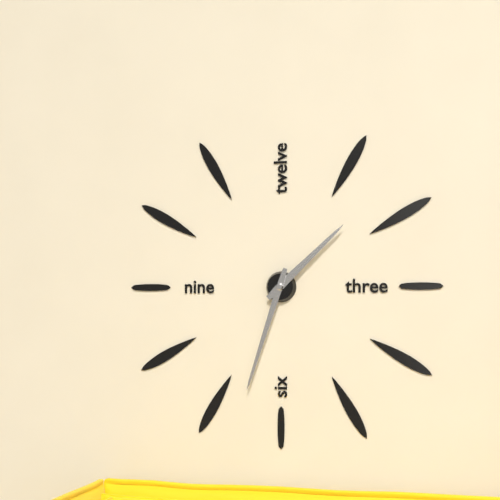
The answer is 1:33
